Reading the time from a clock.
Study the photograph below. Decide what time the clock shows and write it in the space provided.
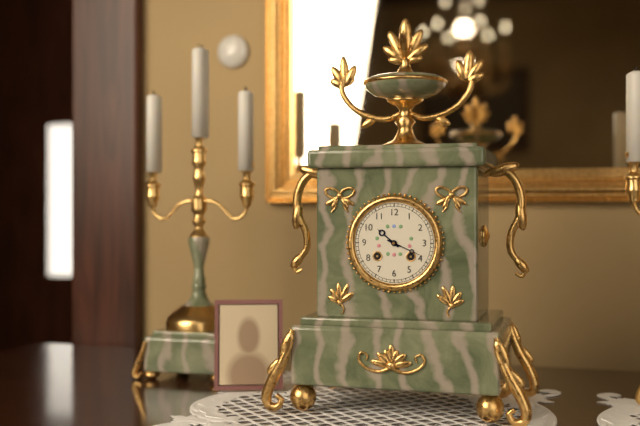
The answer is 10:19
